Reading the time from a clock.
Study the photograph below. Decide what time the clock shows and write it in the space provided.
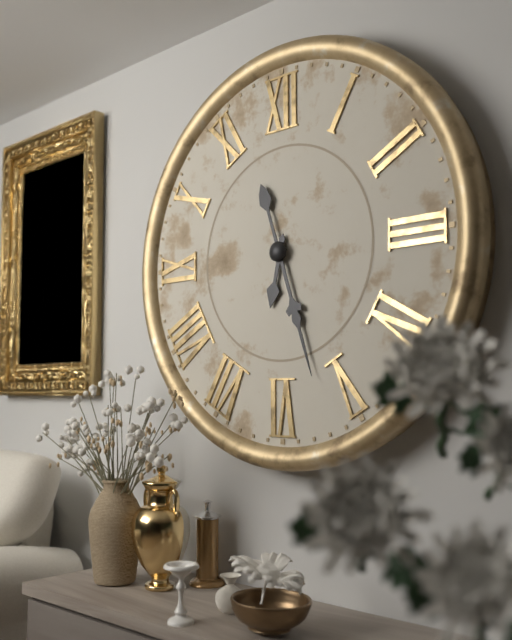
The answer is 6:27
